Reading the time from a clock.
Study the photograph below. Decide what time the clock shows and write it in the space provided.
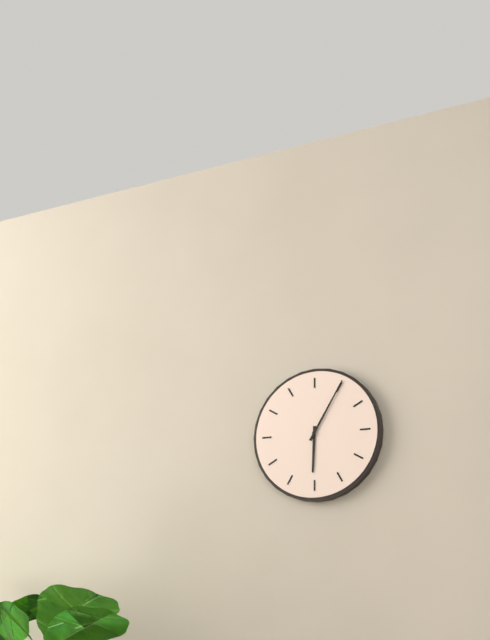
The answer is 6:05
